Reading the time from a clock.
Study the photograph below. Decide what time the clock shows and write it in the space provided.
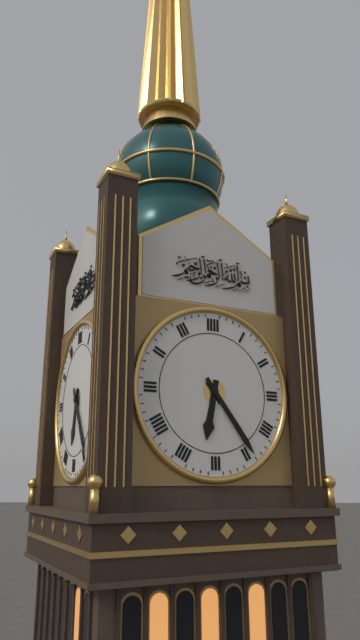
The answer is 6:24
